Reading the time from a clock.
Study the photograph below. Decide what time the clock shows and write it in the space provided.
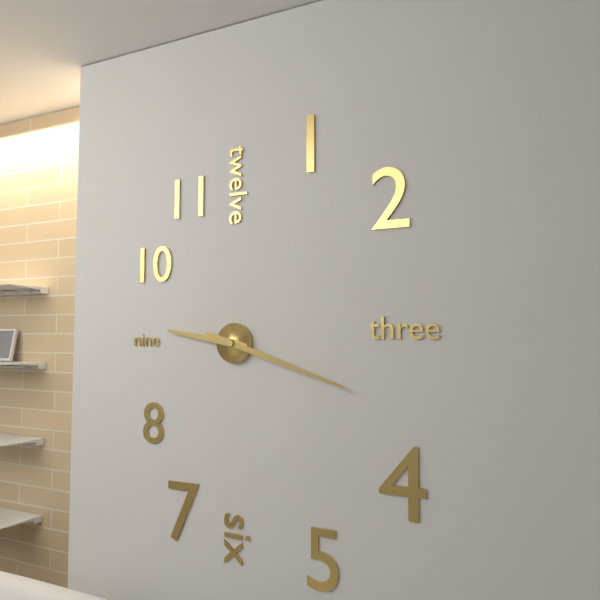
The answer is 9:18
